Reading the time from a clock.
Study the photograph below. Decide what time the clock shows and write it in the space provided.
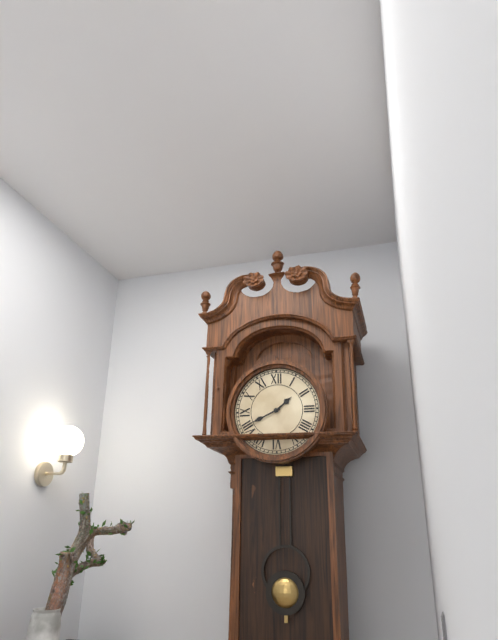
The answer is 1:41
